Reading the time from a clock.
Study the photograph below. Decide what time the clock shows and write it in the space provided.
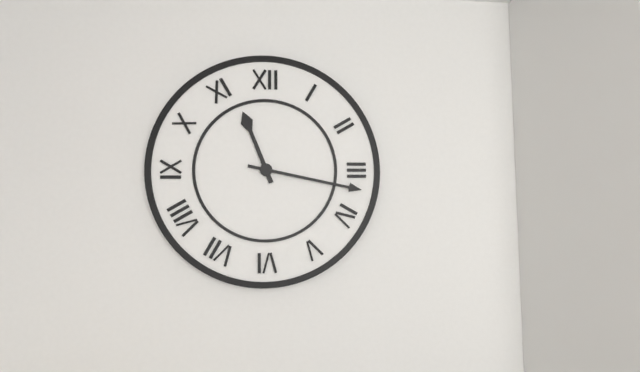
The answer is 11:17
